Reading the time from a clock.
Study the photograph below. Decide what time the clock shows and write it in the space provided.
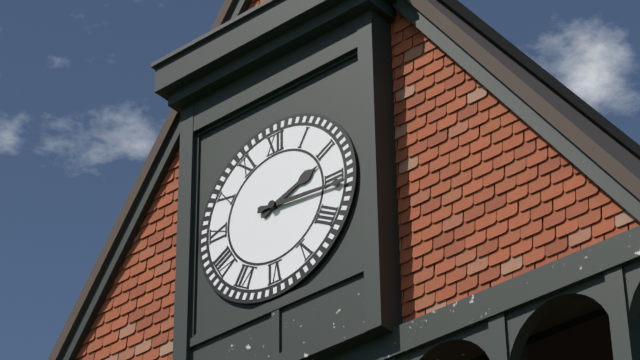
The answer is 2:16
